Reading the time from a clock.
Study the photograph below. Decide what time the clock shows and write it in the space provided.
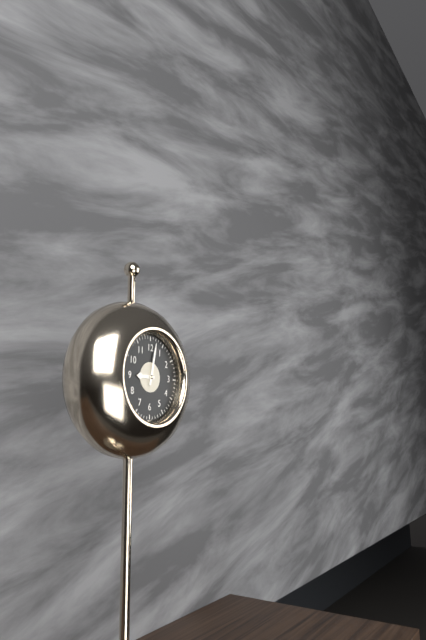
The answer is 9:02
